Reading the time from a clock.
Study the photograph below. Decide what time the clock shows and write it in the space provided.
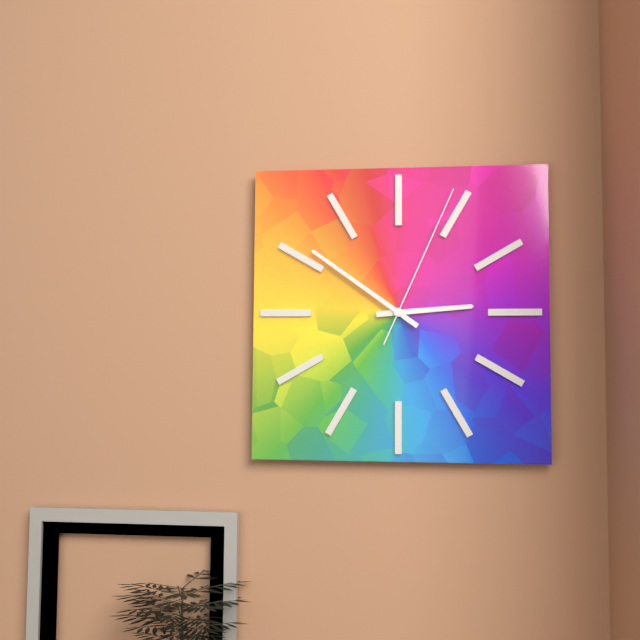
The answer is 2:51:04
